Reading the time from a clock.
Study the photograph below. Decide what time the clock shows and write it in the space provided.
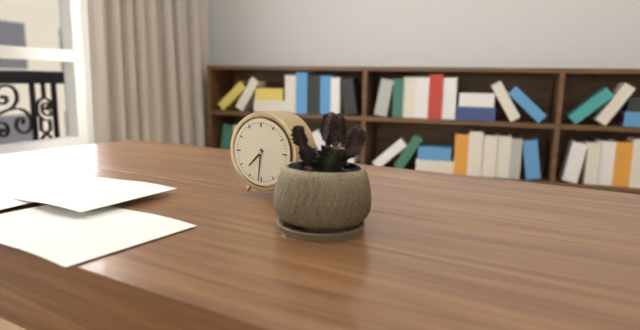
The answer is 7:31
